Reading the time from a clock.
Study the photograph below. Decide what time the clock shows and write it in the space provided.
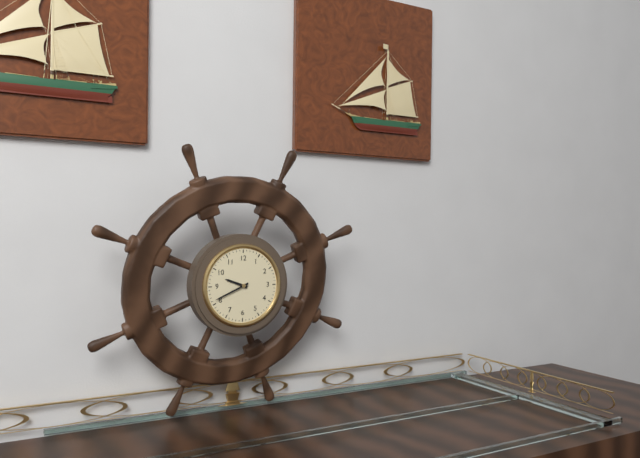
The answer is 9:41
